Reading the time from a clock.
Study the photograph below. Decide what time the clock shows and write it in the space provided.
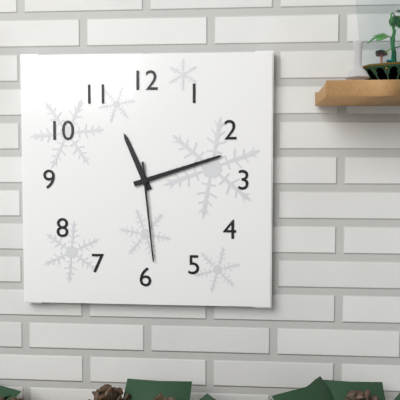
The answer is 11:12:29
